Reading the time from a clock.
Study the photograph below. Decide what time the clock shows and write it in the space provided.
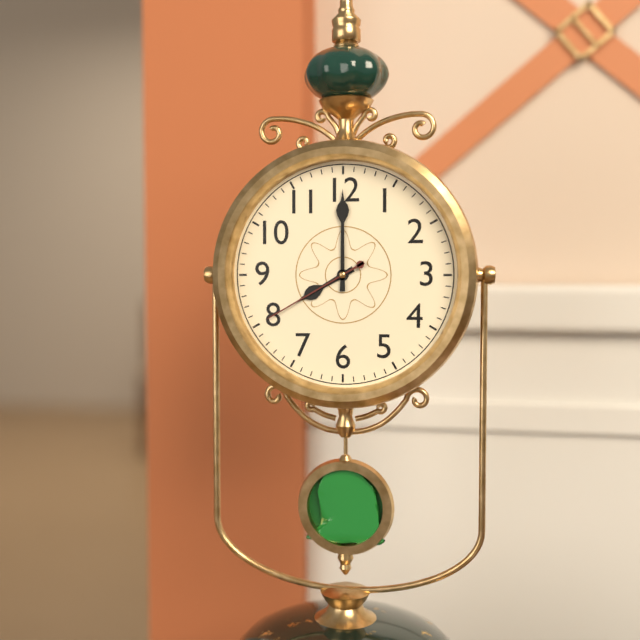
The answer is 8:00:40
